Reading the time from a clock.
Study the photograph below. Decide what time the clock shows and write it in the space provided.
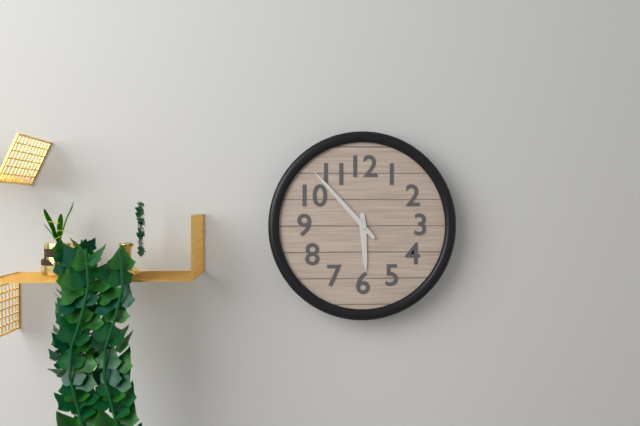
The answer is 5:53
